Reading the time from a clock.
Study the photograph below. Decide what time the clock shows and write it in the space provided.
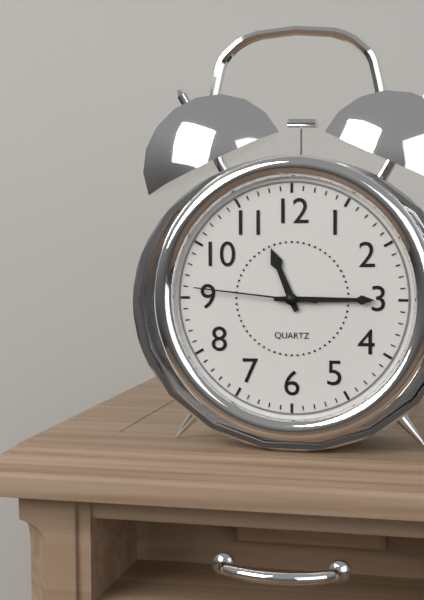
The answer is 11:15:46
